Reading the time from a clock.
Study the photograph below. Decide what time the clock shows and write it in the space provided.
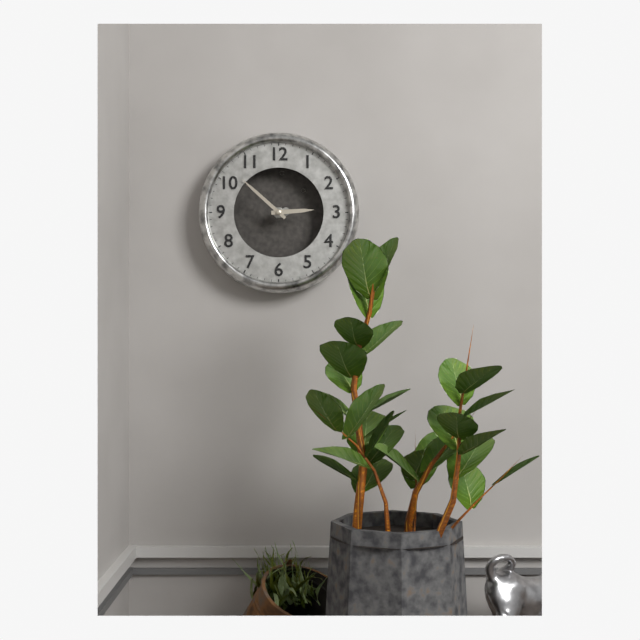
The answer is 2:52
